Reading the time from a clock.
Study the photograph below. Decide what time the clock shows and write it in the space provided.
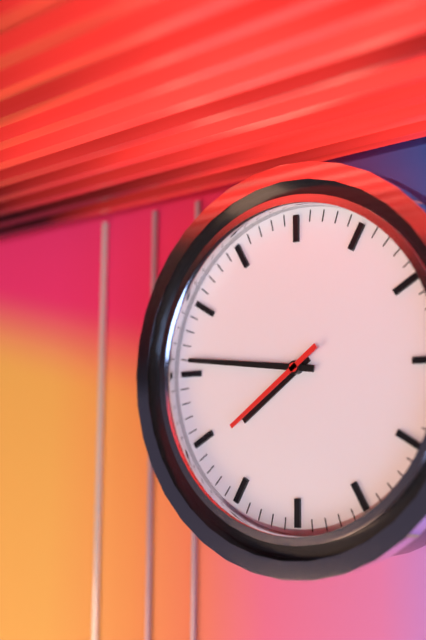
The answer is 7:46:39
